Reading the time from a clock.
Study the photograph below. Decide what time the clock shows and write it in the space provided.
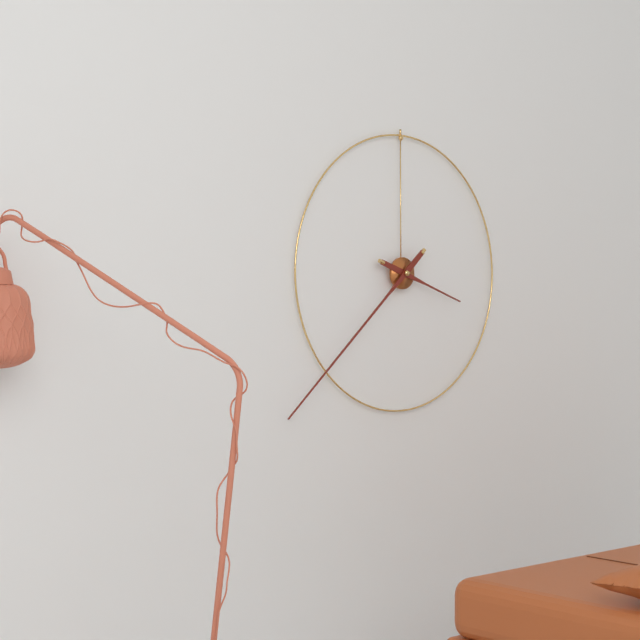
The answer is 3:38
